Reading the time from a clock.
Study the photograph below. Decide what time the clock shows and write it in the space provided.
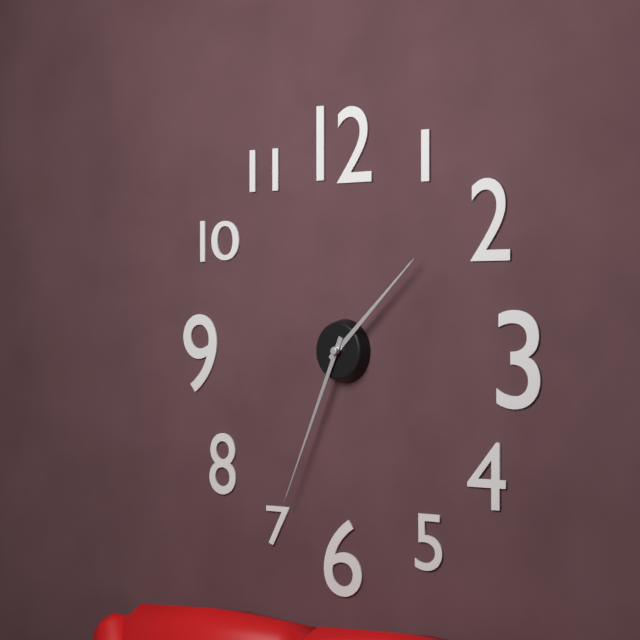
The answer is 1:34
